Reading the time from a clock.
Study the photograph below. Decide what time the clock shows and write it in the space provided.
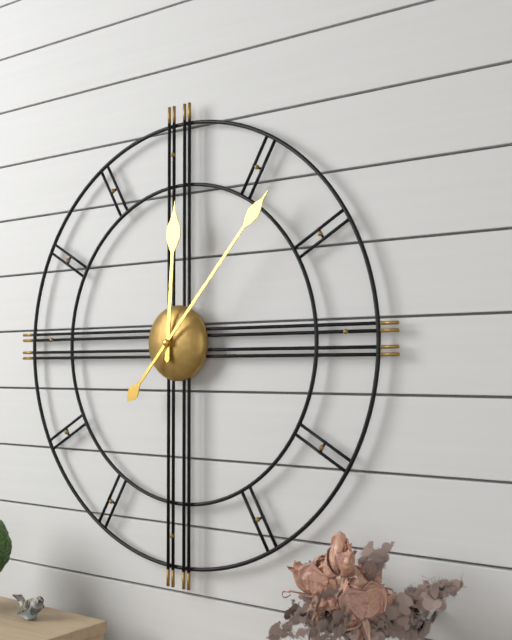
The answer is 12:07
